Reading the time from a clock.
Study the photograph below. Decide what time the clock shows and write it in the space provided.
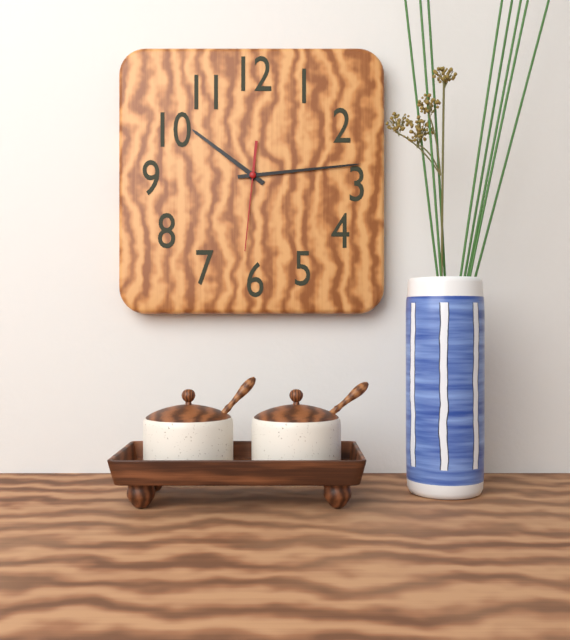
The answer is 10:14:31
